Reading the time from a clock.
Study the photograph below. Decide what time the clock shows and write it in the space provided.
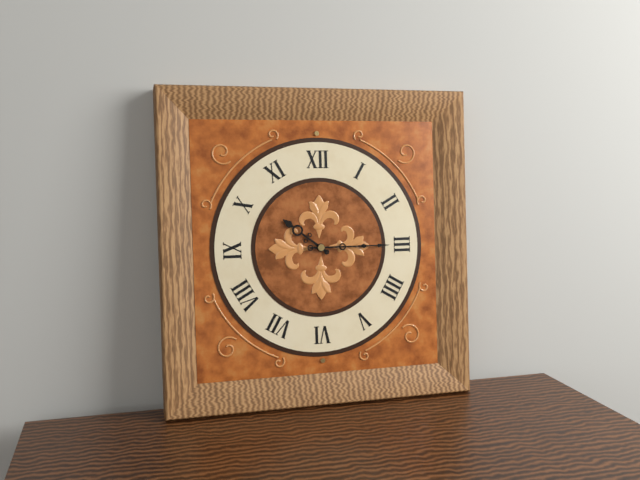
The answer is 10:15
